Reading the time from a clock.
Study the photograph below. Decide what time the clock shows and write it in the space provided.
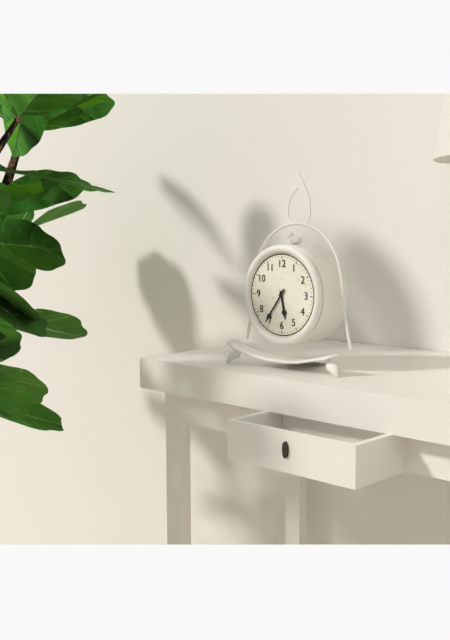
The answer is 5:36
